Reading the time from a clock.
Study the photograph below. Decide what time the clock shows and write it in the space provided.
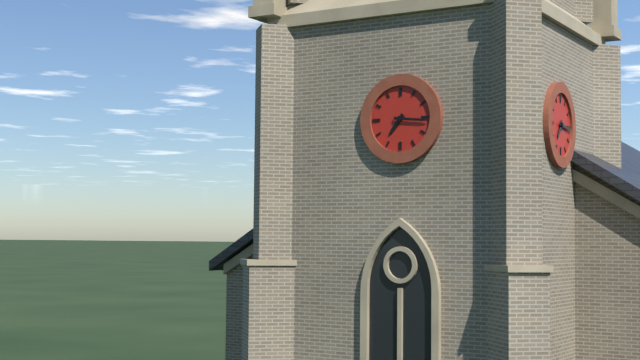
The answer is 7:16
